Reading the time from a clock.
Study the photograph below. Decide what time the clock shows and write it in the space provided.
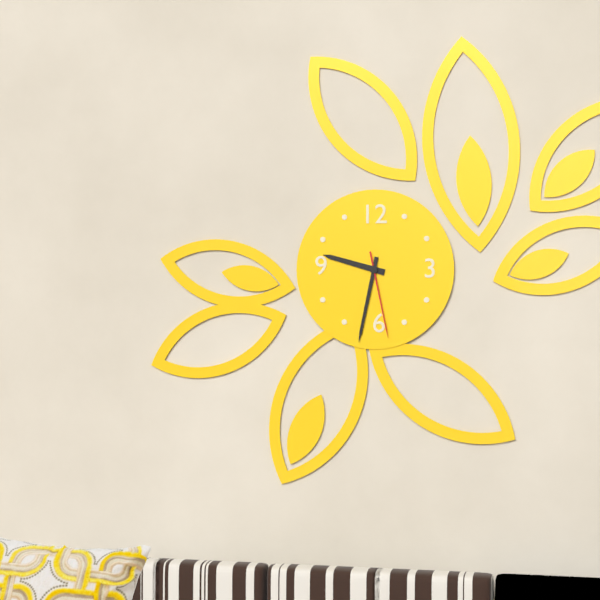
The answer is 9:32:28
